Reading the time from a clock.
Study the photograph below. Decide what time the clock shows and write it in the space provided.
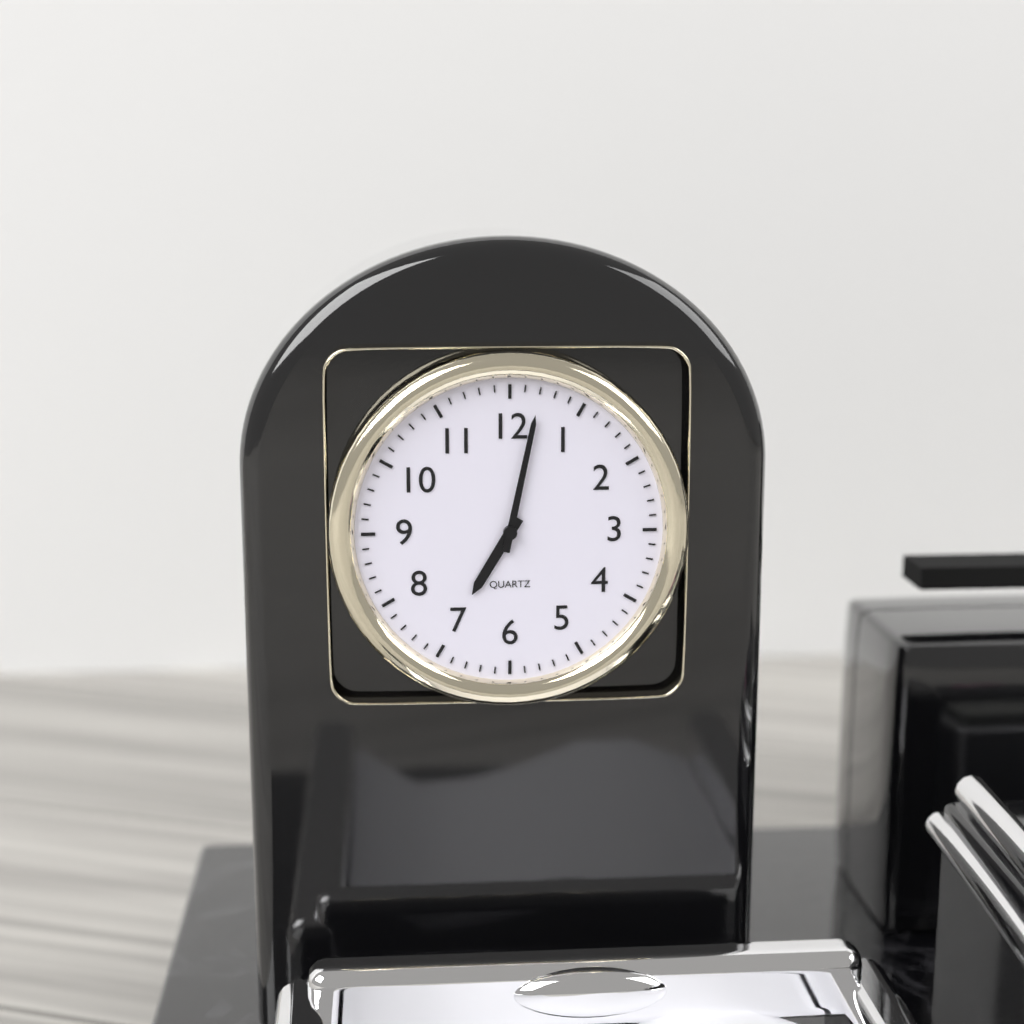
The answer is 7:02
